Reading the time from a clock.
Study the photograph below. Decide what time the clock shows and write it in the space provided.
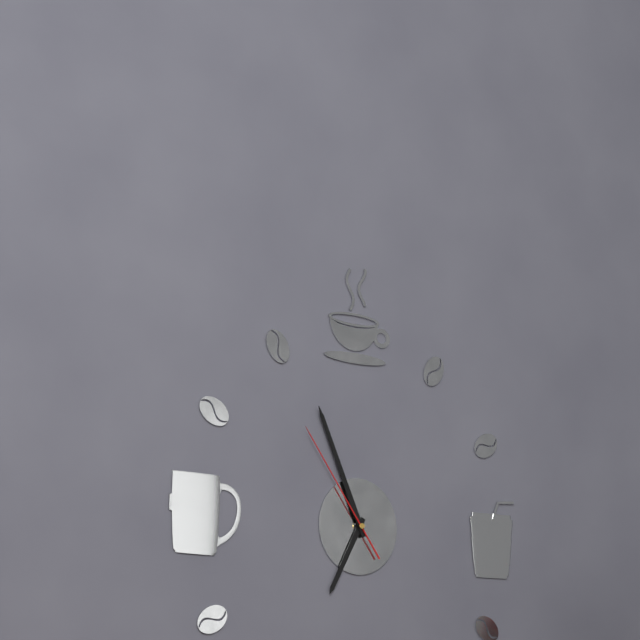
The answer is 6:56:54
